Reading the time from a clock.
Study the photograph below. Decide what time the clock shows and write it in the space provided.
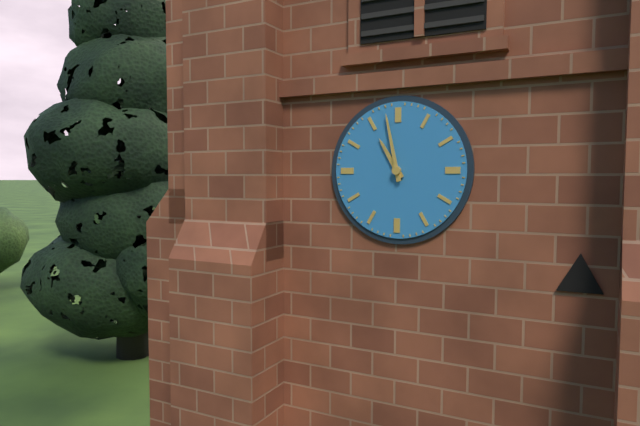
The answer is 10:58
